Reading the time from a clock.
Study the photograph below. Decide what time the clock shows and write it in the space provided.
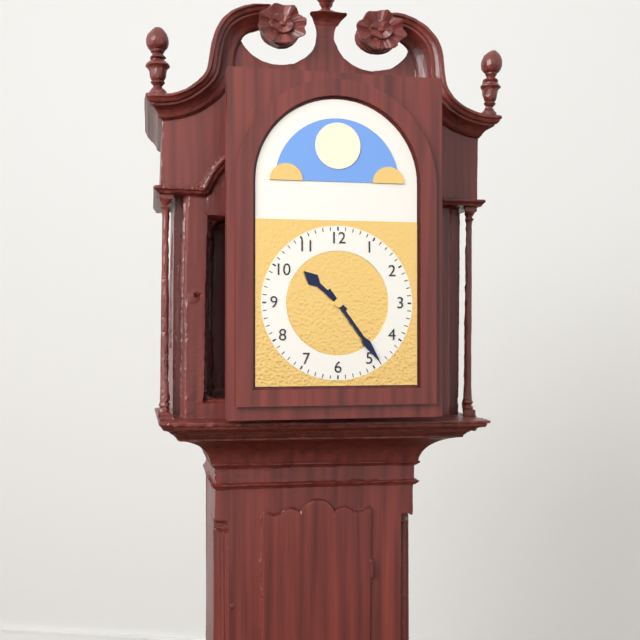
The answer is 10:24
